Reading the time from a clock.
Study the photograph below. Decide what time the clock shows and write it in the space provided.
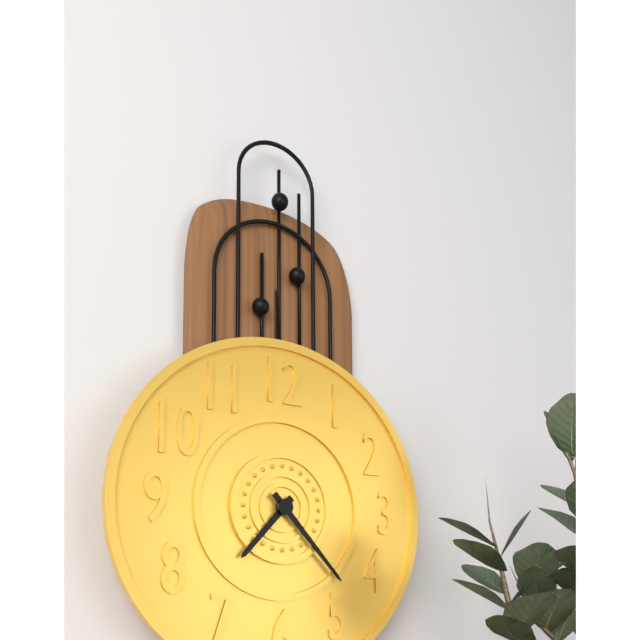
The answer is 7:23
